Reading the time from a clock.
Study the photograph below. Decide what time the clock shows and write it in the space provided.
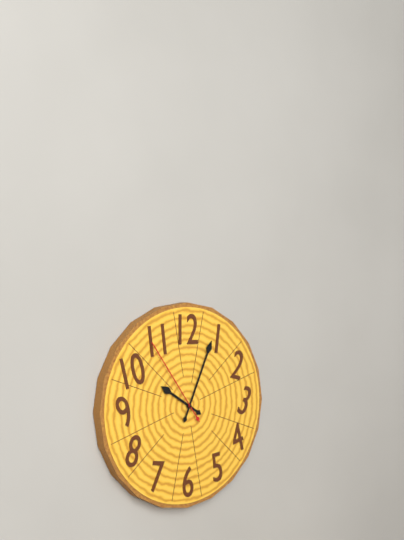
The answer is 10:04:54
